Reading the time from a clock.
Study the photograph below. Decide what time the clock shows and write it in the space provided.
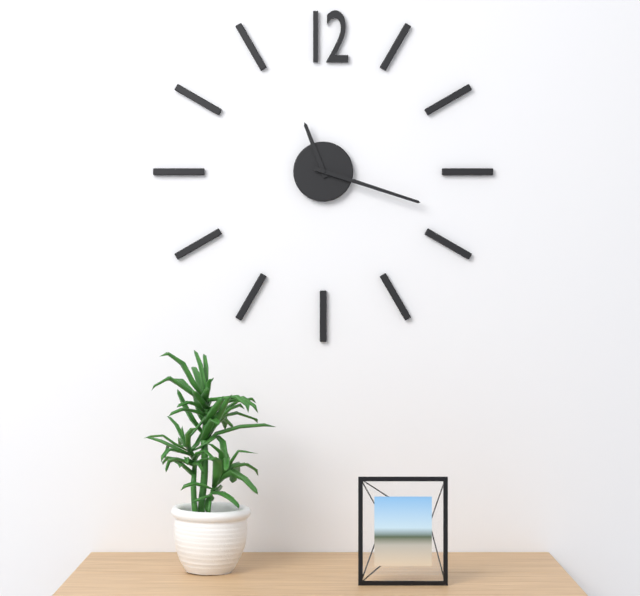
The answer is 11:18
